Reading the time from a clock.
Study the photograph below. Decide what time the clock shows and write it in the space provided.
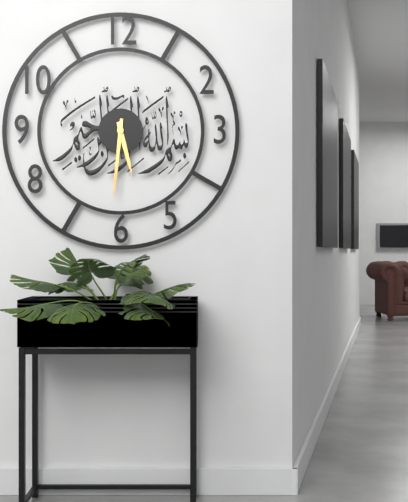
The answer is 5:31
